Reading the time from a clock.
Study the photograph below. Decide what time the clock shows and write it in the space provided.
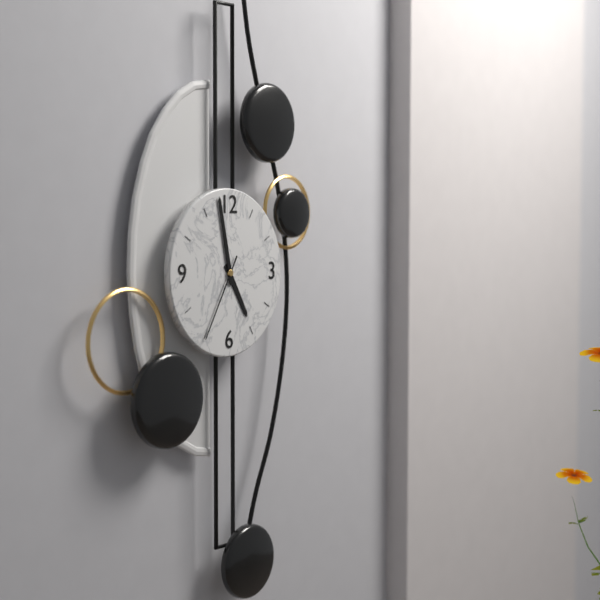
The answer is 4:58:35
